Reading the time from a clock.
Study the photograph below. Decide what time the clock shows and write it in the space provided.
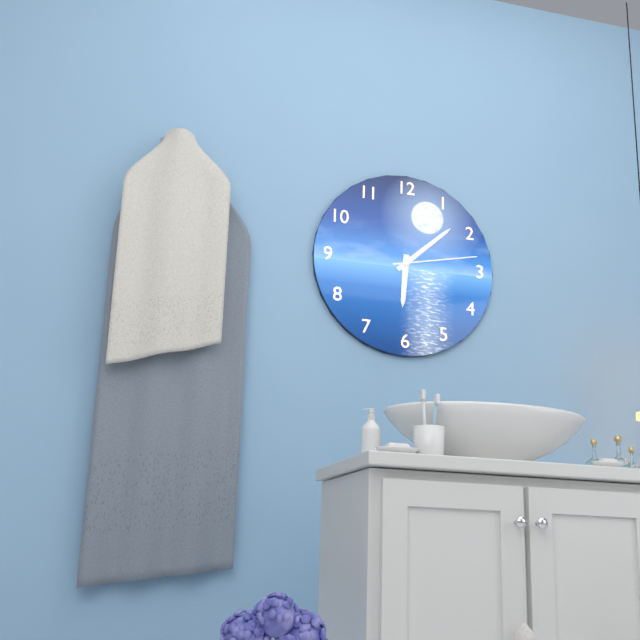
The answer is 6:08:13
